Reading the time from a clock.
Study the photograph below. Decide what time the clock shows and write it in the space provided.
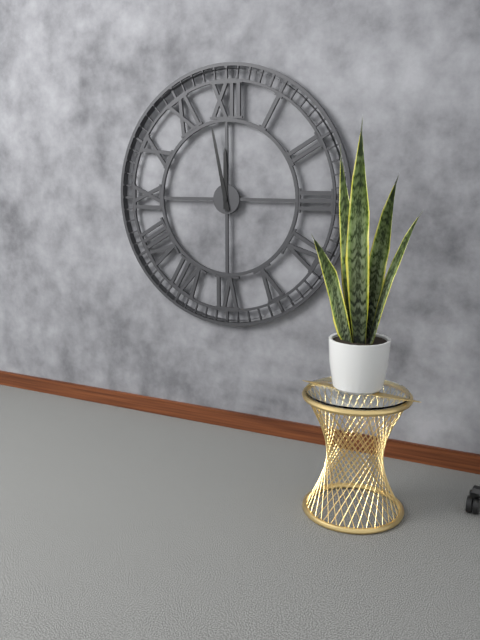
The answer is 11:58
